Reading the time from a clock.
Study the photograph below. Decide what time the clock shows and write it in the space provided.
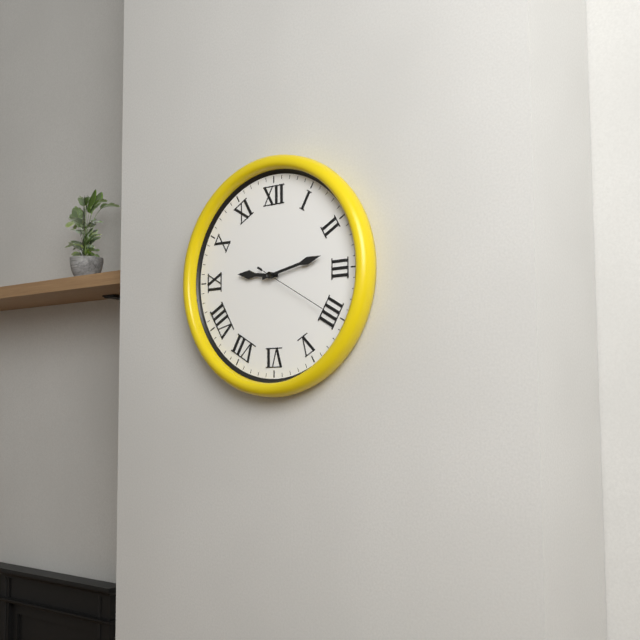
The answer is 9:13:20
